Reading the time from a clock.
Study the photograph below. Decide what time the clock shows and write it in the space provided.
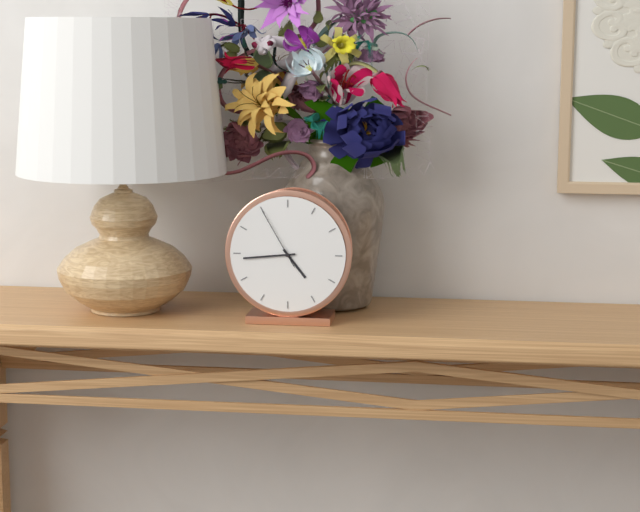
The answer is 4:44:55
